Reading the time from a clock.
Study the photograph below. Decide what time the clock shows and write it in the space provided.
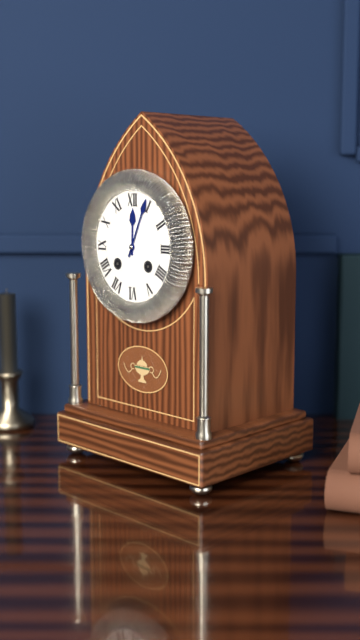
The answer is 12:04
